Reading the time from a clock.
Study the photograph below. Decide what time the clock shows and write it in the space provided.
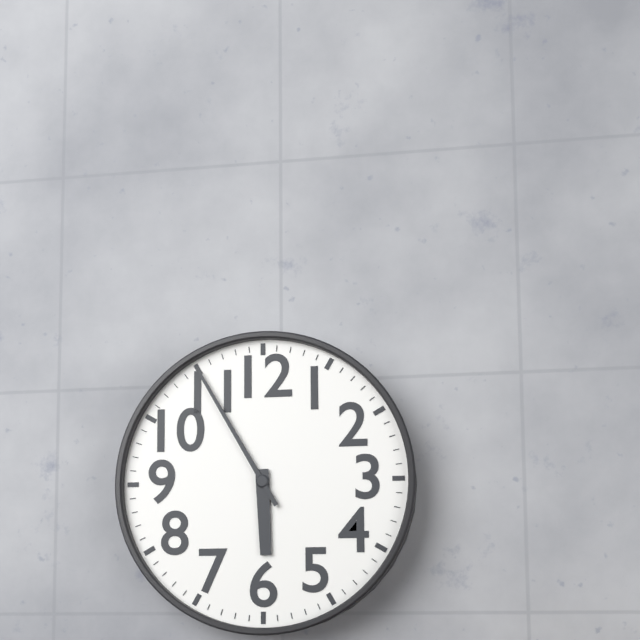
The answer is 5:55
